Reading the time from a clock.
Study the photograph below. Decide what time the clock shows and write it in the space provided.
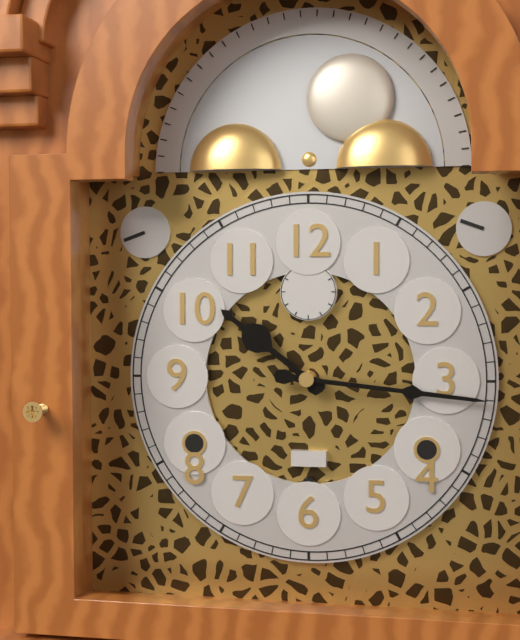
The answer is 10:16
